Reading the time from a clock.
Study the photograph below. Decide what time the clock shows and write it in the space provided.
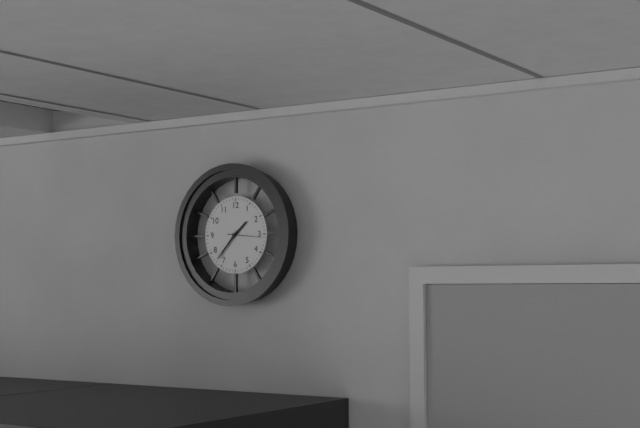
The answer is 1:37
